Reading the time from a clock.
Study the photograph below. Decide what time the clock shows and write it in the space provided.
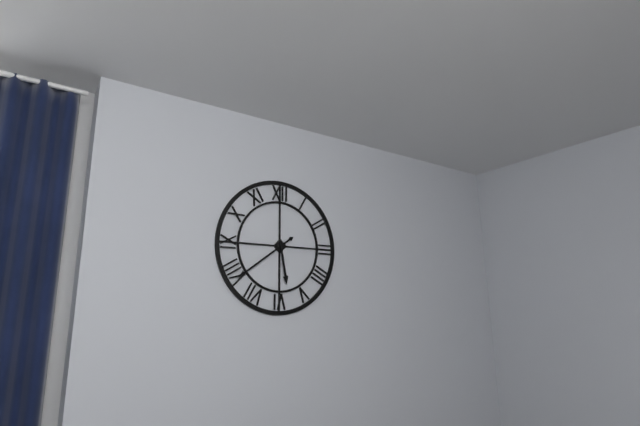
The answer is 5:39
